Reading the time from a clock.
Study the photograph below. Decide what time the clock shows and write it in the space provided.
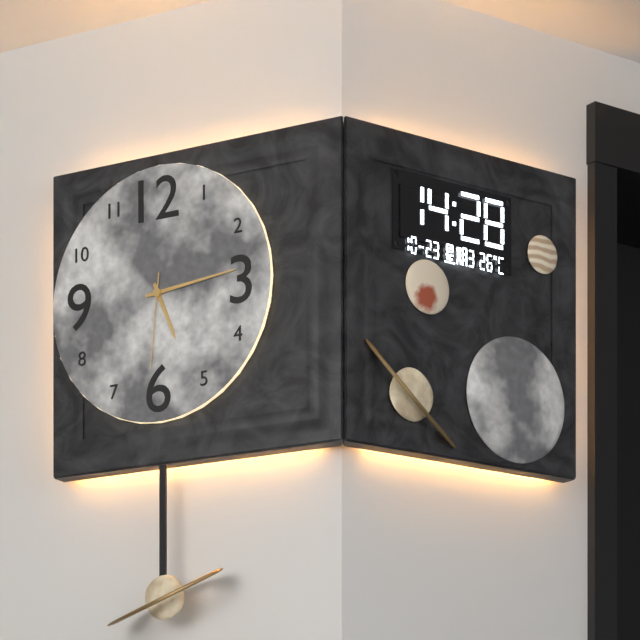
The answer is 5:14:31
